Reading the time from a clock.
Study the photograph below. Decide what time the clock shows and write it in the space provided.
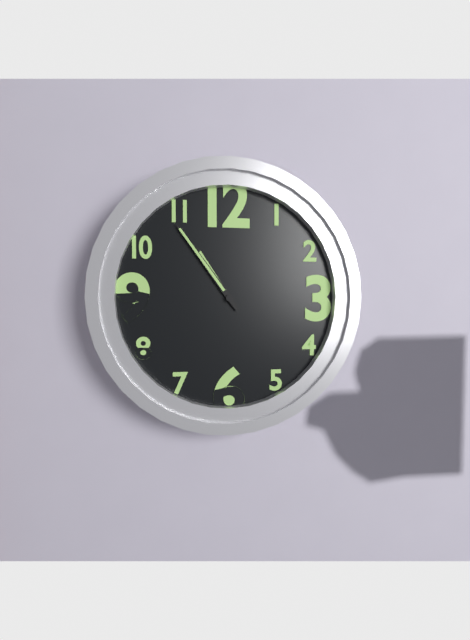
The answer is 10:54
